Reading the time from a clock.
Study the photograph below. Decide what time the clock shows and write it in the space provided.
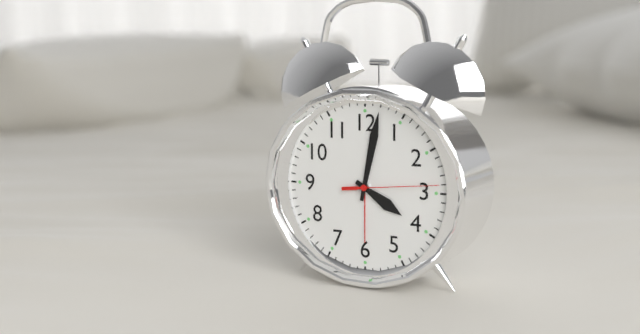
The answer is 4:02:14
